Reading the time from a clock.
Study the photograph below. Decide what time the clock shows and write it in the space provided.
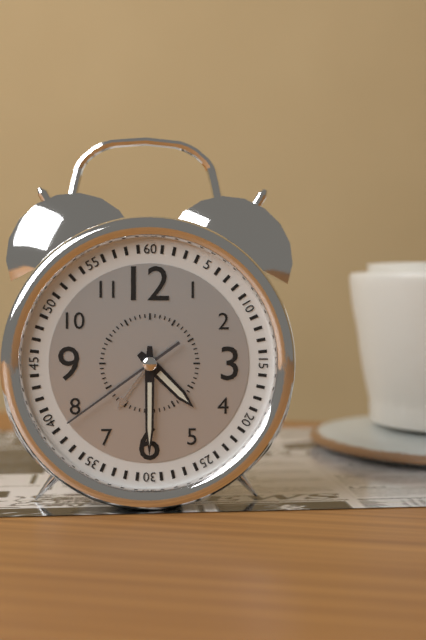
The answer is 4:30:39
